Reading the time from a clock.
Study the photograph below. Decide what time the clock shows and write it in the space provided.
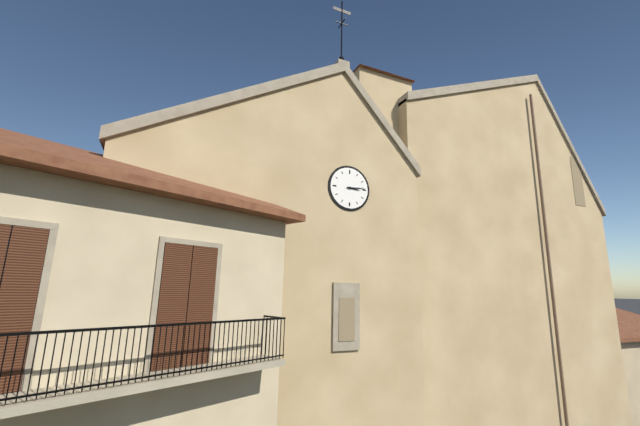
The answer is 3:14
